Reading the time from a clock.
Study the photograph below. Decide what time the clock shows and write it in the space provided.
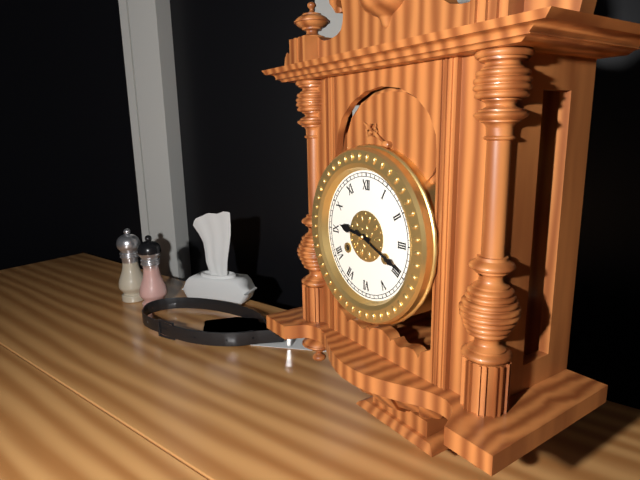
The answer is 9:19
